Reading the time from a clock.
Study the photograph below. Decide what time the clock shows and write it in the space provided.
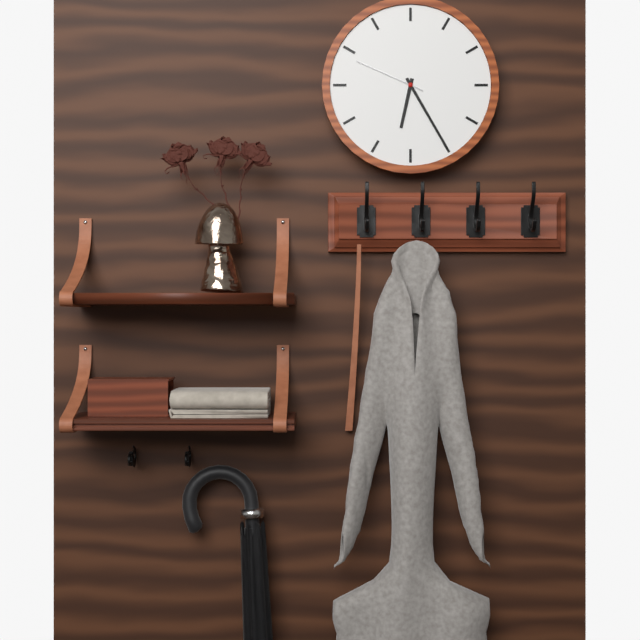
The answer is 6:25:49
